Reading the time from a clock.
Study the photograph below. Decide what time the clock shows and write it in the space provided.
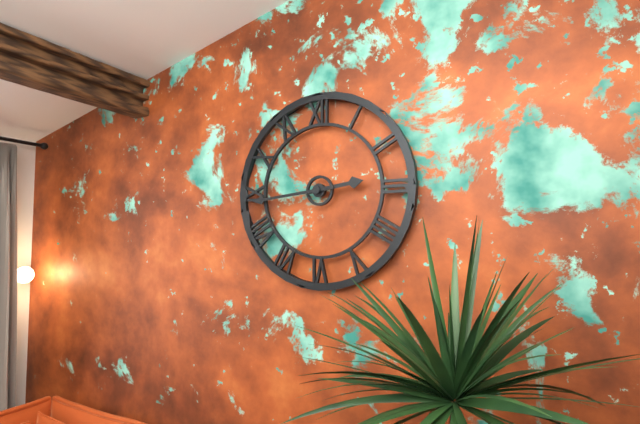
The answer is 2:44
